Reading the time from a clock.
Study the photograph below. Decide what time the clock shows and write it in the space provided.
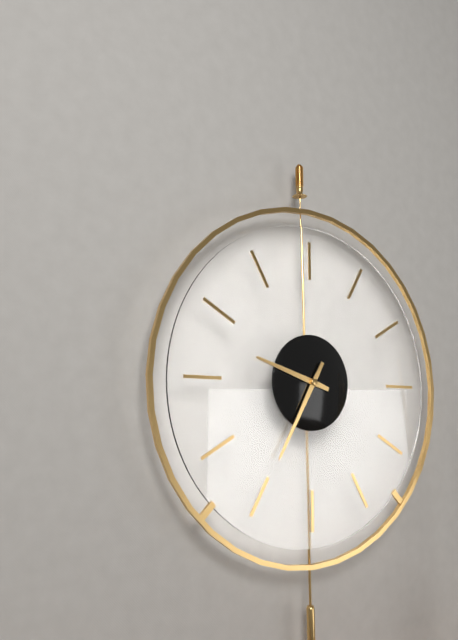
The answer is 9:35
